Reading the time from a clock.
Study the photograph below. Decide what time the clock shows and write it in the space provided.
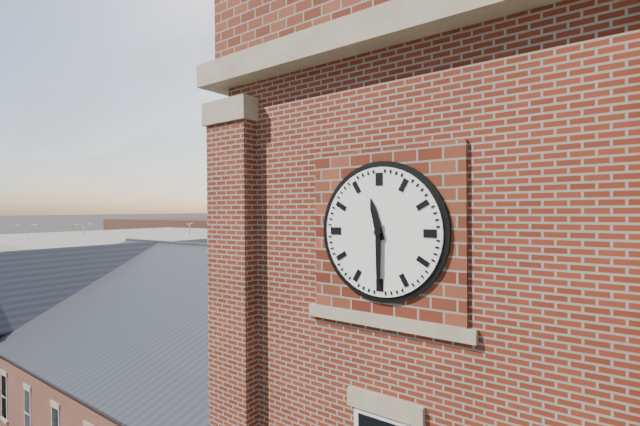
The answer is 11:30
